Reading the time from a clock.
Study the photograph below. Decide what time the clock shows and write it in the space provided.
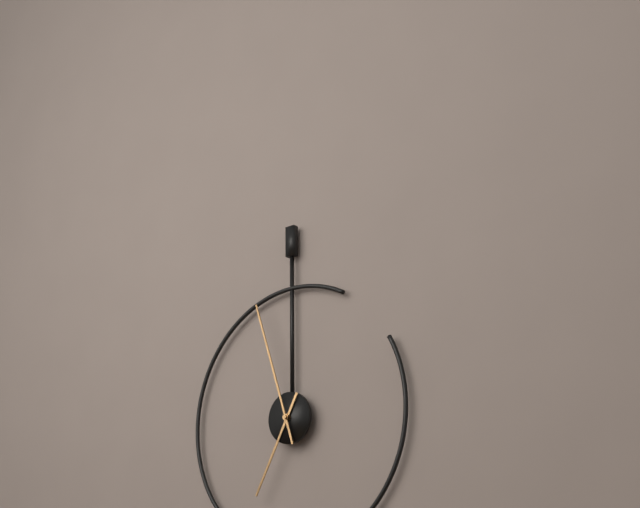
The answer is 6:57
